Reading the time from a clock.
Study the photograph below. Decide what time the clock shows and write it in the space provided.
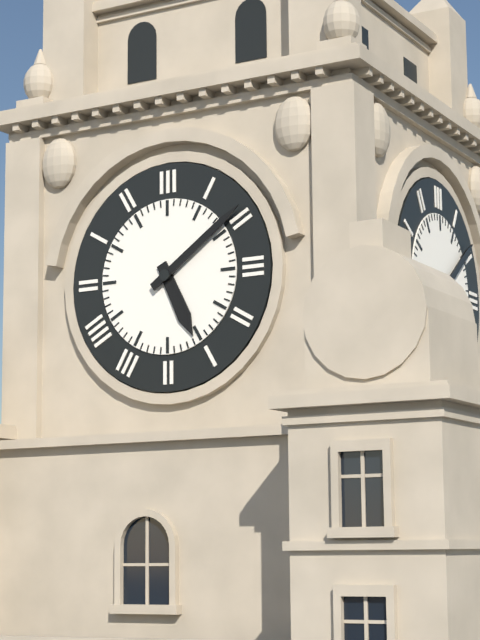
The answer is 5:09
